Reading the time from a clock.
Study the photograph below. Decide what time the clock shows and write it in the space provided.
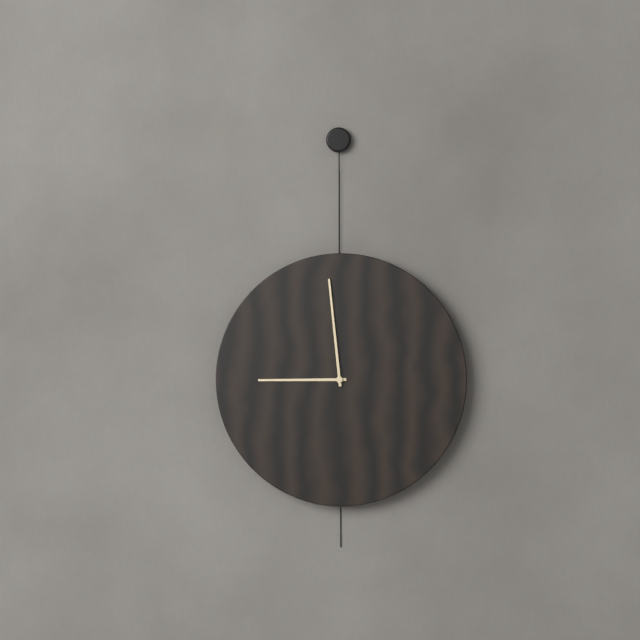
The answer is 8:59
